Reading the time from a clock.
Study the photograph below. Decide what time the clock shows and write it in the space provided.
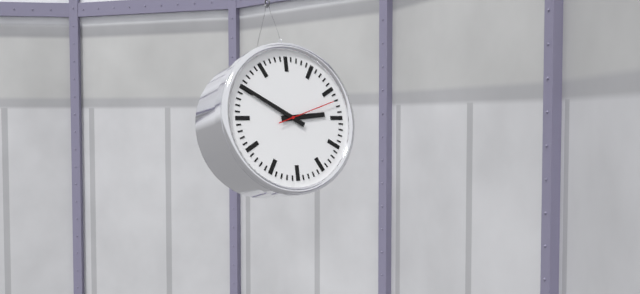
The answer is 2:50:12
